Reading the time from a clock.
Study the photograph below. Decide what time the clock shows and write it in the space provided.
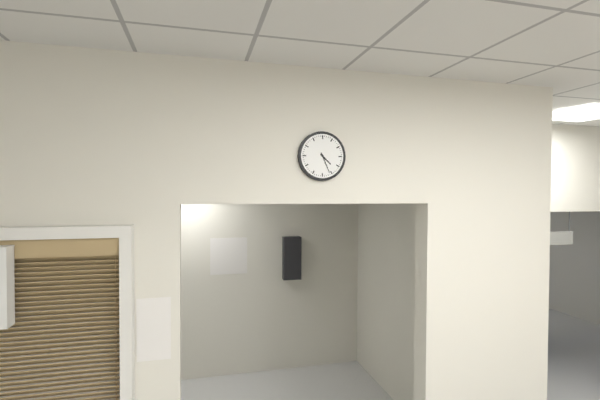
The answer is 4:26
